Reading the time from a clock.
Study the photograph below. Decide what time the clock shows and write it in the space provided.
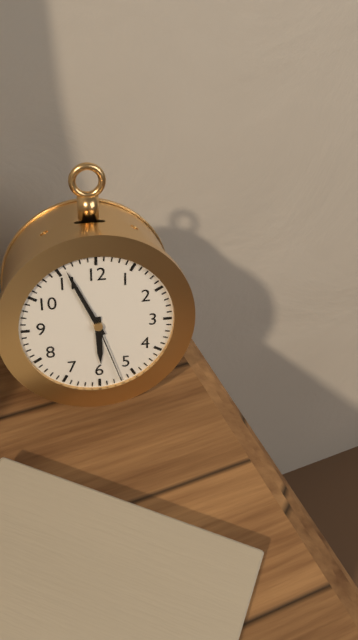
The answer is 5:56:27
